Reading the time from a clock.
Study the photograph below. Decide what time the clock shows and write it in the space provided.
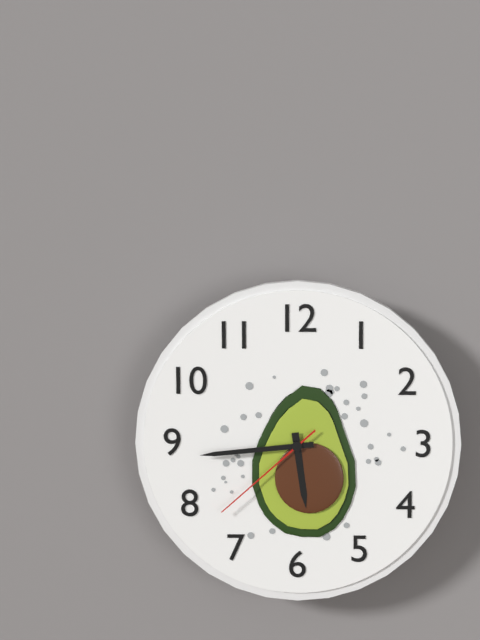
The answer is 5:44:38
